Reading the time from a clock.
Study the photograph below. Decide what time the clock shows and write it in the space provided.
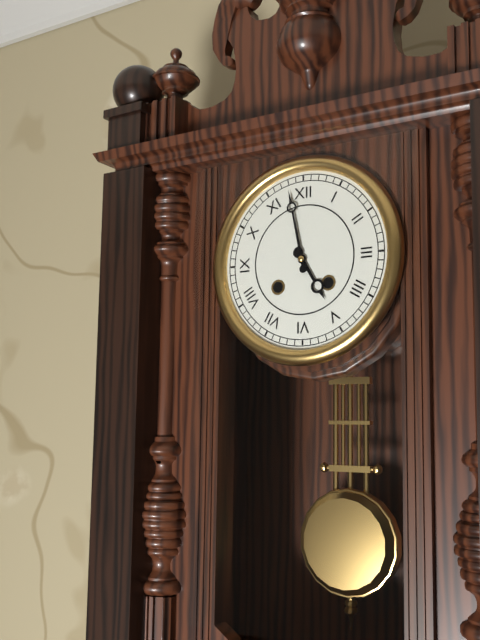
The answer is 4:58
